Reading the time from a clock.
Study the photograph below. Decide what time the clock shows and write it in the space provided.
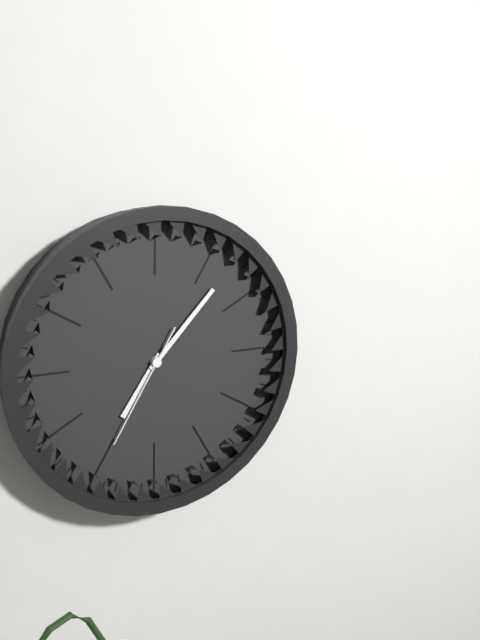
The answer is 7:07:35
